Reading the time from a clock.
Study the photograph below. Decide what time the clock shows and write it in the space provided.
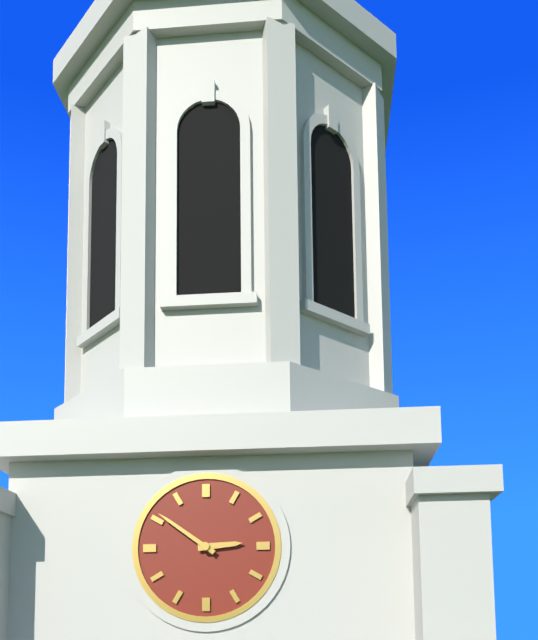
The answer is 2:51
